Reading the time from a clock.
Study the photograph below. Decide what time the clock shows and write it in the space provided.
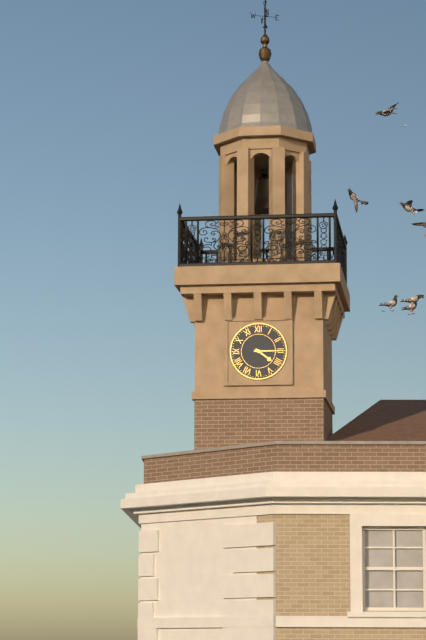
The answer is 4:15
